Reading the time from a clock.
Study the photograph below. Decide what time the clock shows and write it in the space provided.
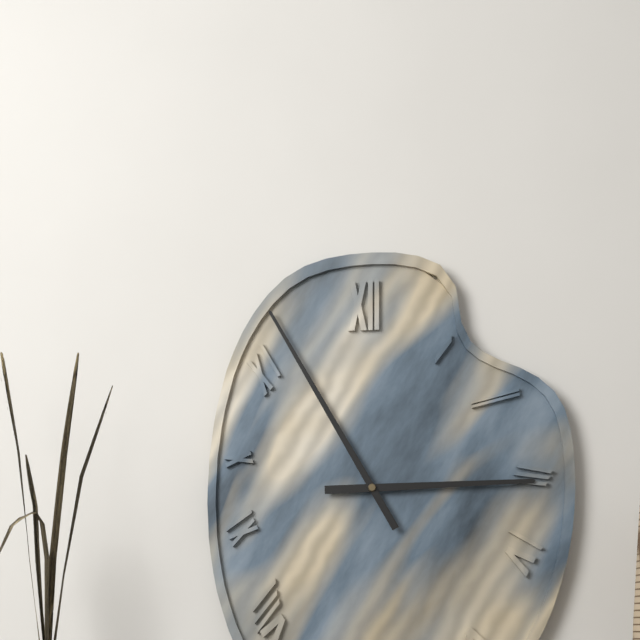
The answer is 2:55
